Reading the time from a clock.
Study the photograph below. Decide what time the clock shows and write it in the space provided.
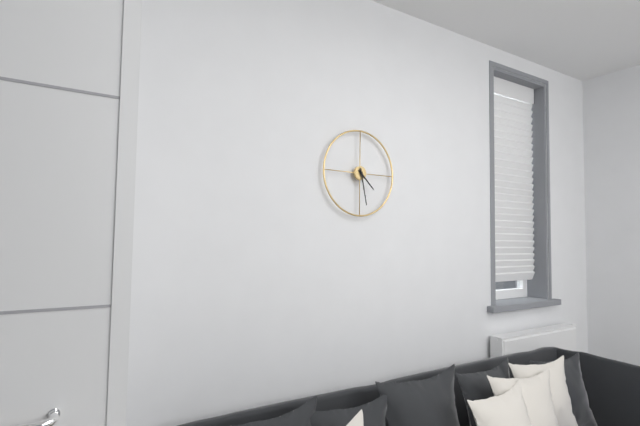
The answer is 4:28
